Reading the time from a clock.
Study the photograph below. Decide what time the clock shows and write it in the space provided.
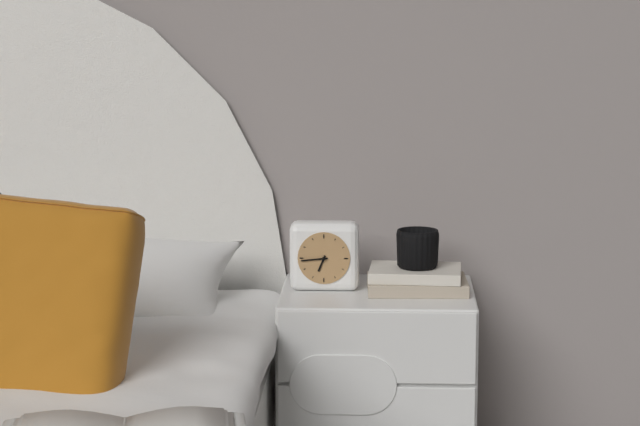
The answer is 6:44
